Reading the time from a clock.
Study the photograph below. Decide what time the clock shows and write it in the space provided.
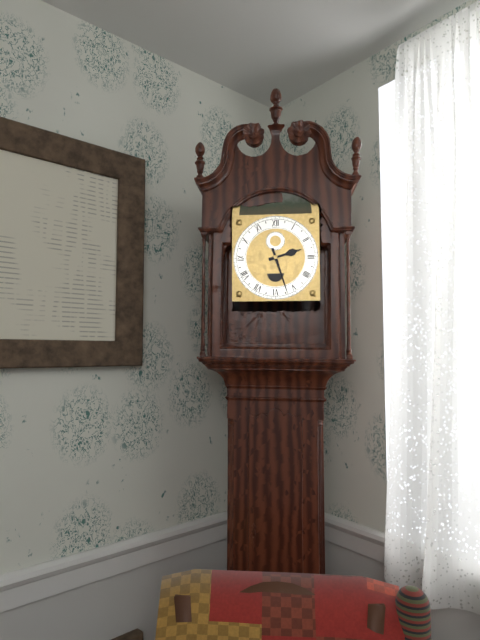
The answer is 2:27
